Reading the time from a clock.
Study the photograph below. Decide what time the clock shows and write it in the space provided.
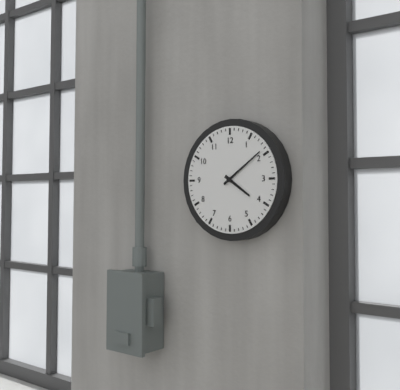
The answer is 4:09
